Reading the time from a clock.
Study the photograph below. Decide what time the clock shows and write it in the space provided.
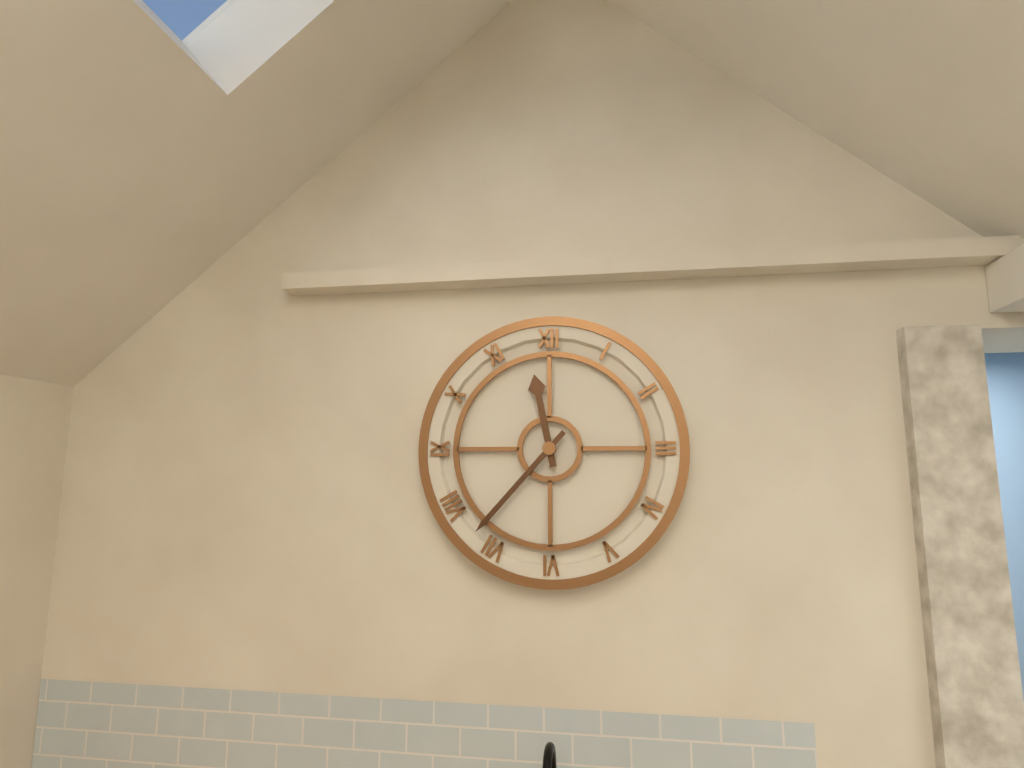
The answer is 11:37
